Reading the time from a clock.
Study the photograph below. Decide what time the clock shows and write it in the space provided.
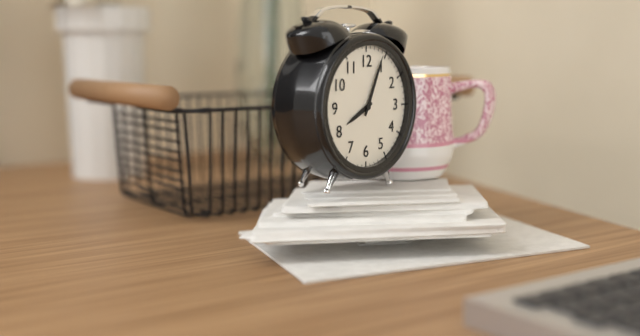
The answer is 8:04
